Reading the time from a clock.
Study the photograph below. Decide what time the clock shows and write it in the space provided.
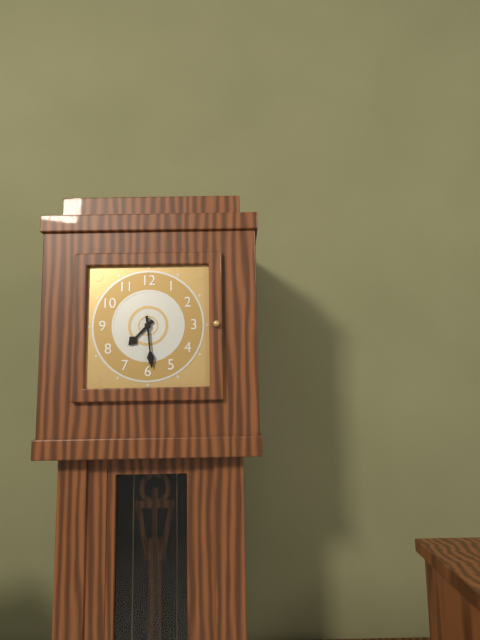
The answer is 7:29
